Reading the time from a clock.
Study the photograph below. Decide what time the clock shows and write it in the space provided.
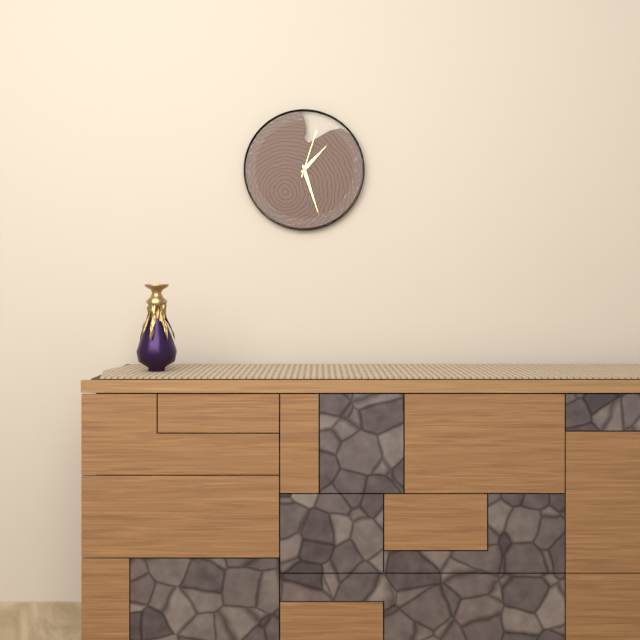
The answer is 1:27:03
